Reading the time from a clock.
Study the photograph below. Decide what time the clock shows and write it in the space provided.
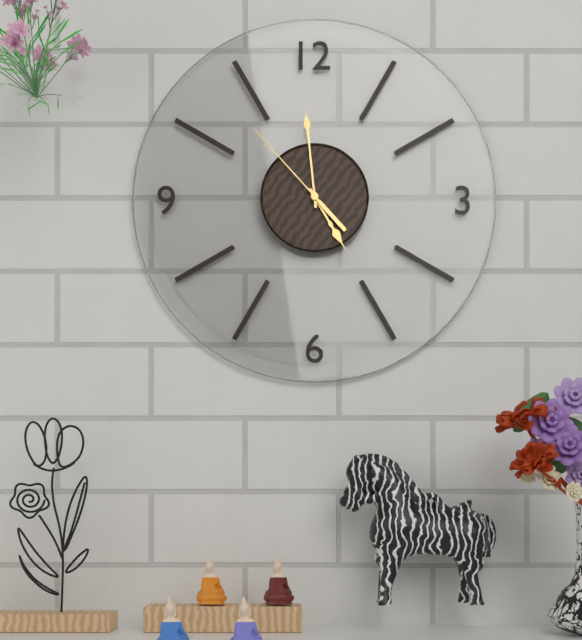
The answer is 4:59:53
